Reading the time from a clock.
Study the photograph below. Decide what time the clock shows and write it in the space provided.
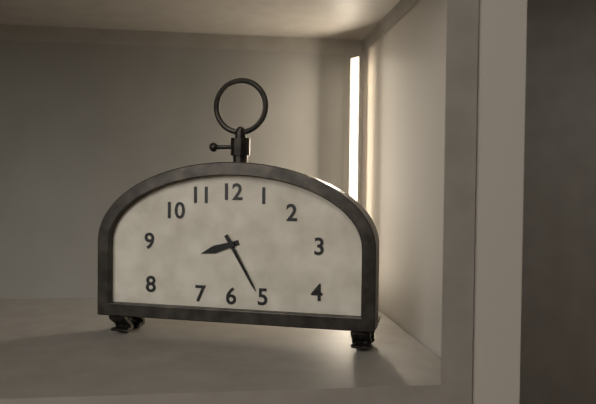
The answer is 8:25
